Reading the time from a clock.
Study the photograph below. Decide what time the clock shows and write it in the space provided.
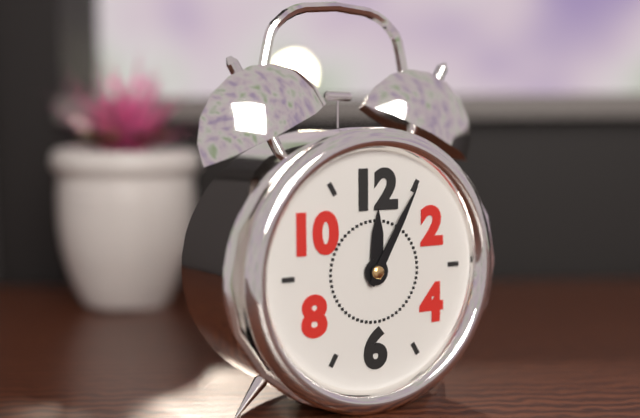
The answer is 12:05
